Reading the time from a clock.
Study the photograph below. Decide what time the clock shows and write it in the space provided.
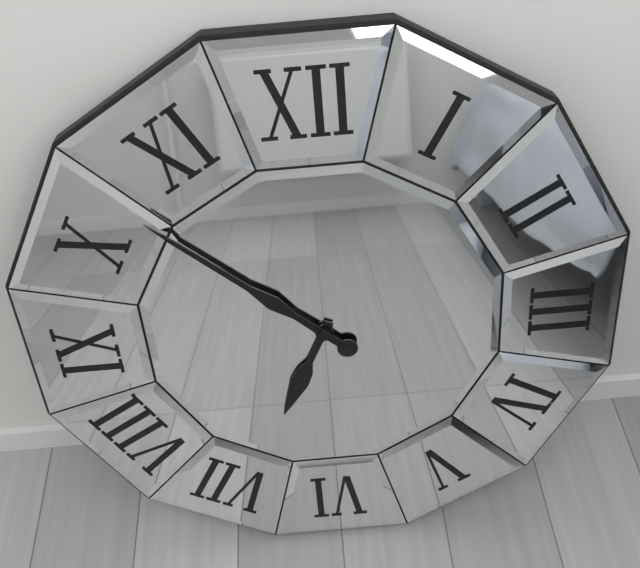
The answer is 6:52
